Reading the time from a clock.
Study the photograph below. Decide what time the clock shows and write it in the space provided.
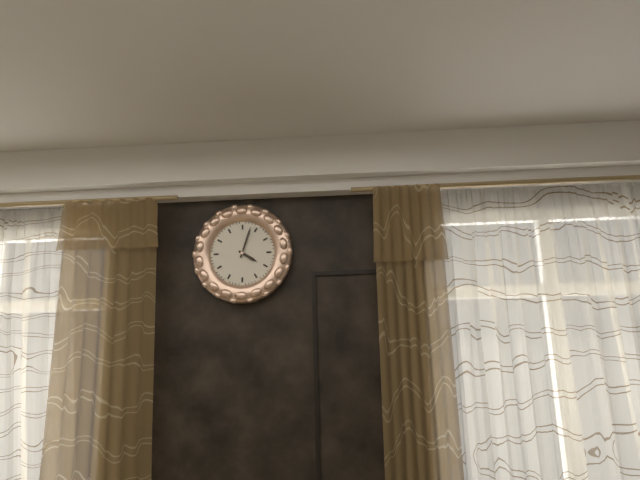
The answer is 4:03
